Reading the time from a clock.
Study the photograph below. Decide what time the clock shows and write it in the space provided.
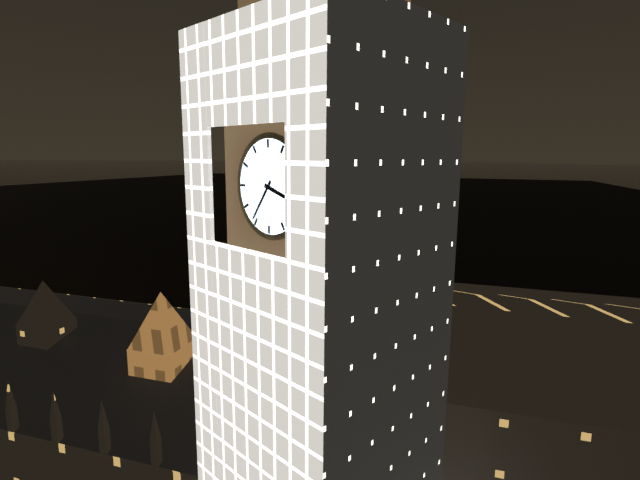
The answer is 3:36
